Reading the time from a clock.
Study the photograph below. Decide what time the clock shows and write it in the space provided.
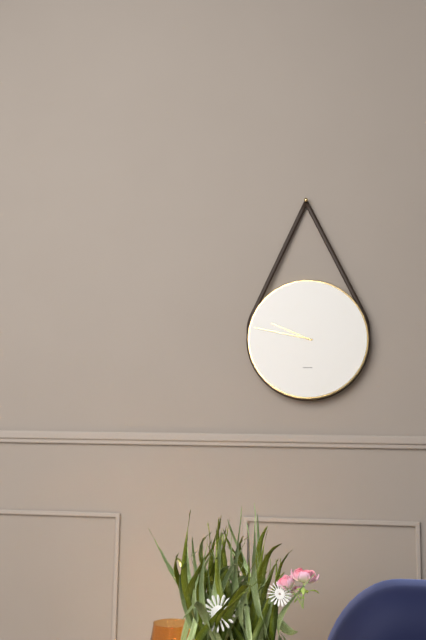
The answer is 9:47
